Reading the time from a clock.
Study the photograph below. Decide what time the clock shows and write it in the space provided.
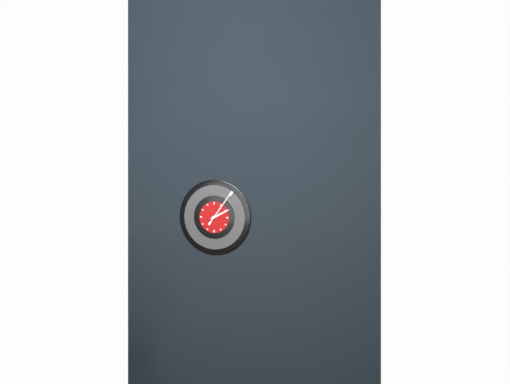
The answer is 2:06
